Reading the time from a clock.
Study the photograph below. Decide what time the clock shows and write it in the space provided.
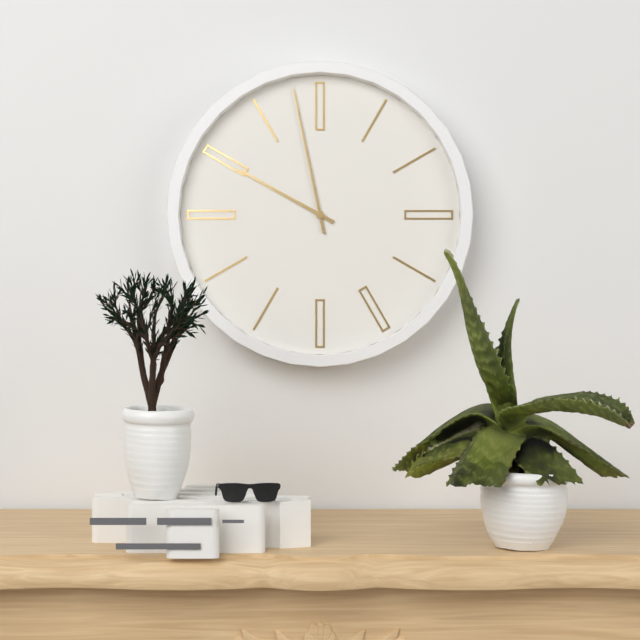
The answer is 9:58
